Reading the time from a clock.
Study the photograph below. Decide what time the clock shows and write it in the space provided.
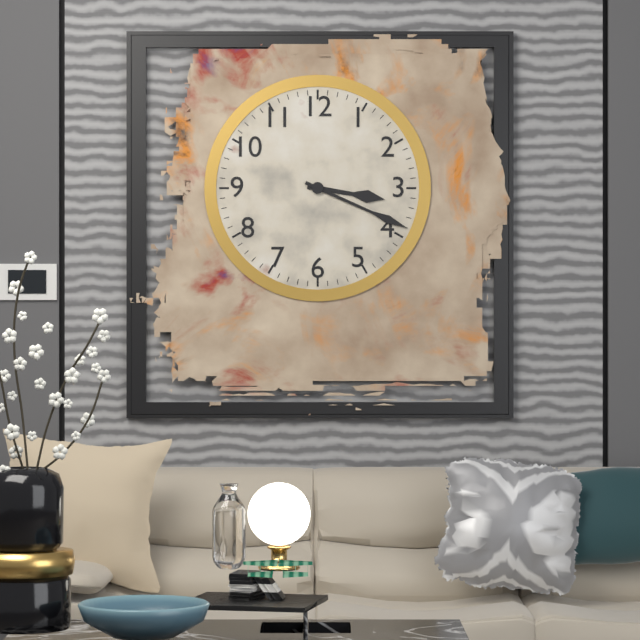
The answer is 3:19
